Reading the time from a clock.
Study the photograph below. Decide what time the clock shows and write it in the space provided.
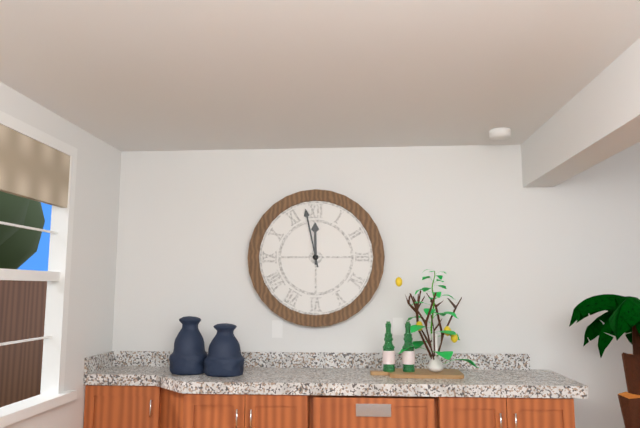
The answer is 11:58
